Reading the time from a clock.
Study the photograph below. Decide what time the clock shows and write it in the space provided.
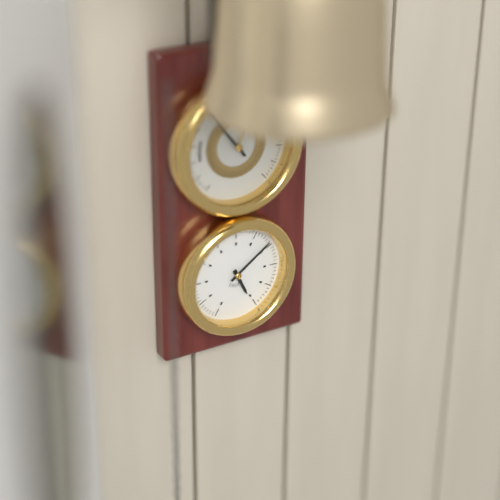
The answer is 5:09
